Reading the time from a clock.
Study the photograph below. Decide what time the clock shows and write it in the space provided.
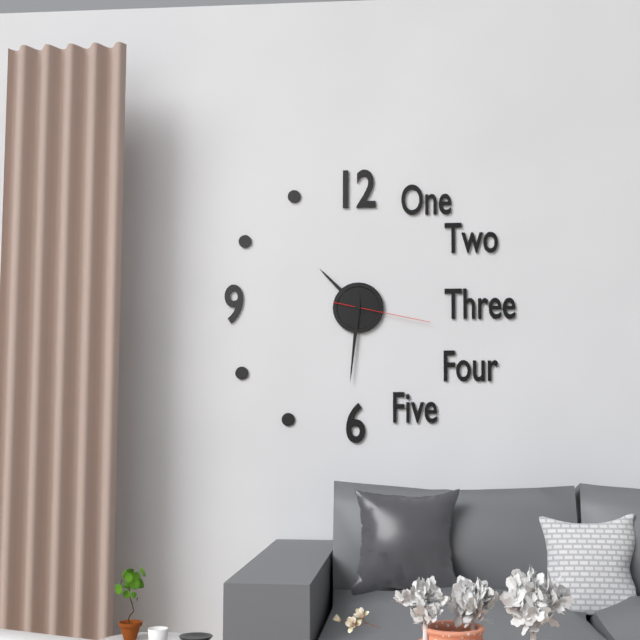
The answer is 10:31:17
